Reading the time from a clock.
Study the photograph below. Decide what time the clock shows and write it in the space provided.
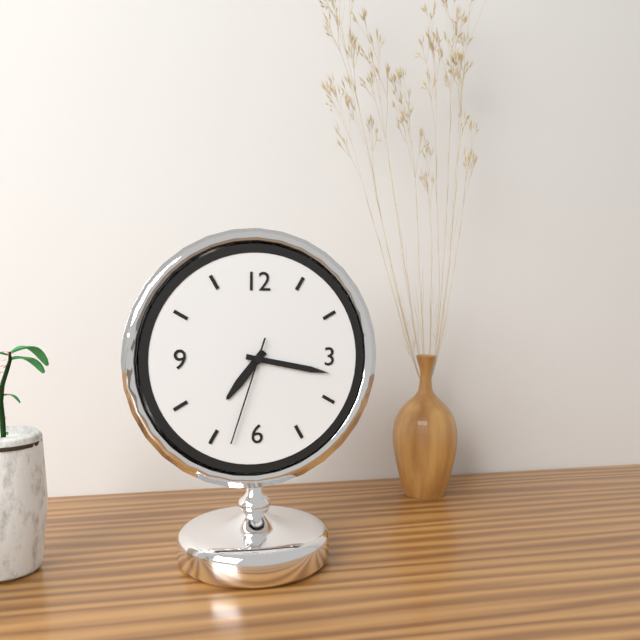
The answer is 7:17:33
